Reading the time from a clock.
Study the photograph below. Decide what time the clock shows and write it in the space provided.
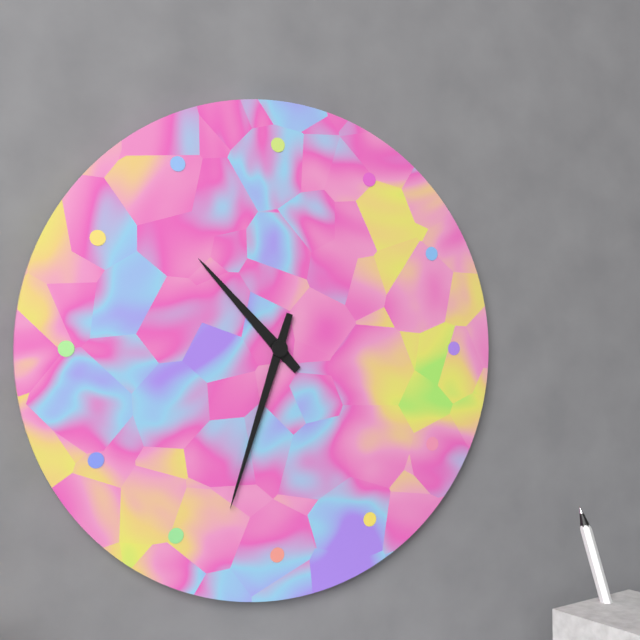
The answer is 10:33
